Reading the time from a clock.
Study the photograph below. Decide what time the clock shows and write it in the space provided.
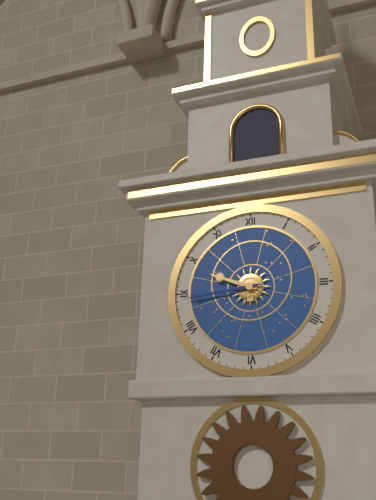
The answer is 9:44
